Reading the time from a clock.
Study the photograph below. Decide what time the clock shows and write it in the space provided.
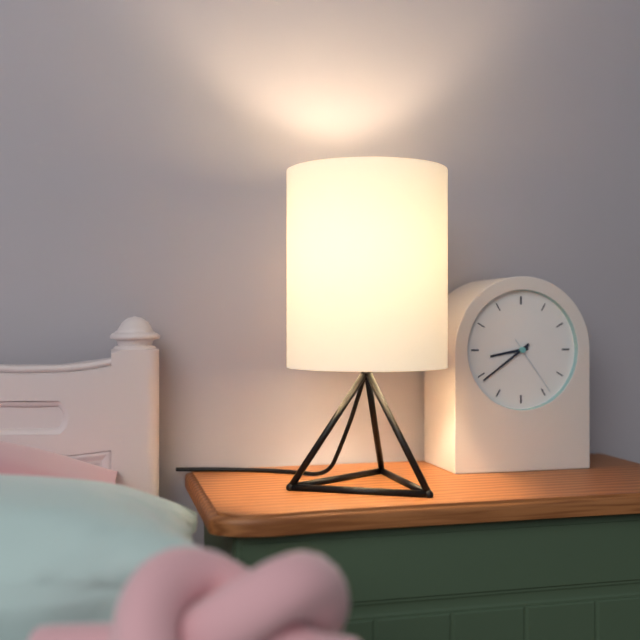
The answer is 8:39:24
